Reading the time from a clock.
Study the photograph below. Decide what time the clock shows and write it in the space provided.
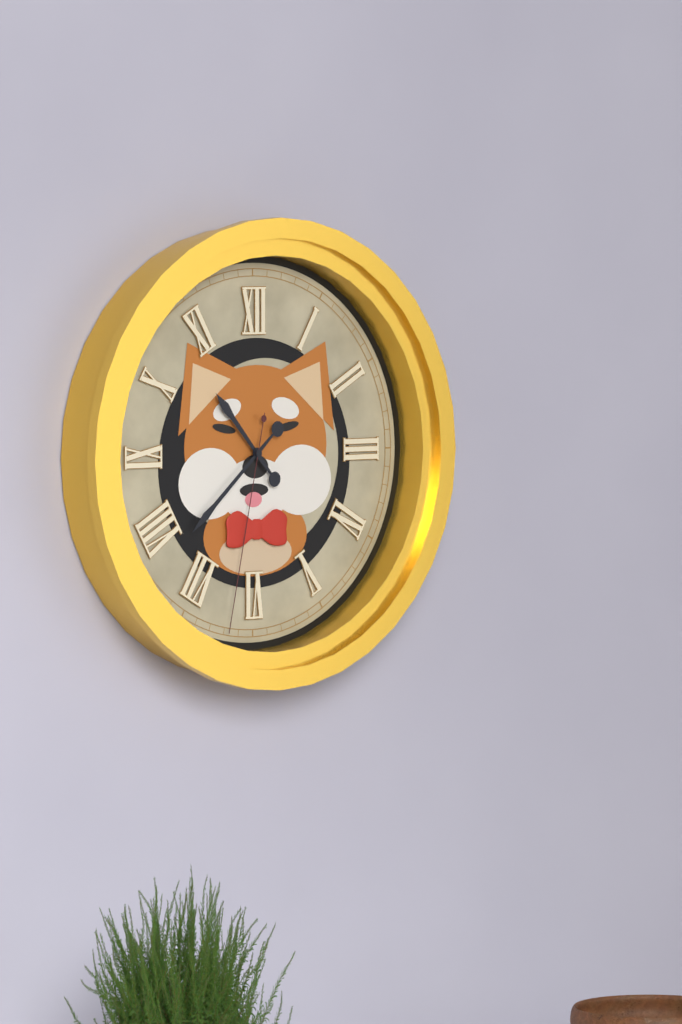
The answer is 10:38:32
